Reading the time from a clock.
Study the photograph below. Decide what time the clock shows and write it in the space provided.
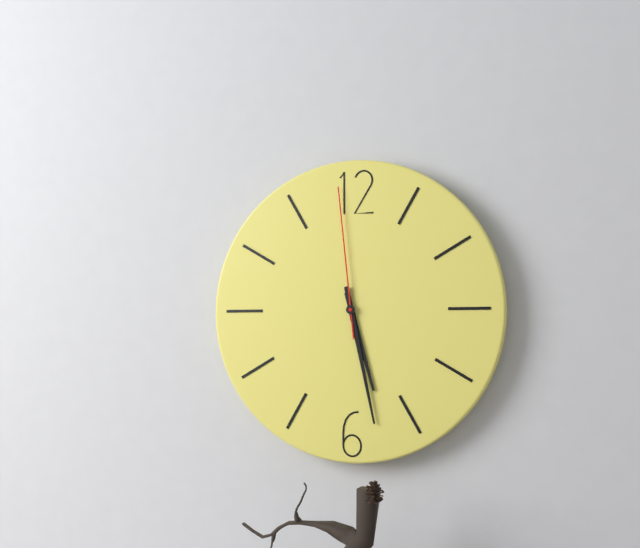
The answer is 5:28:59
